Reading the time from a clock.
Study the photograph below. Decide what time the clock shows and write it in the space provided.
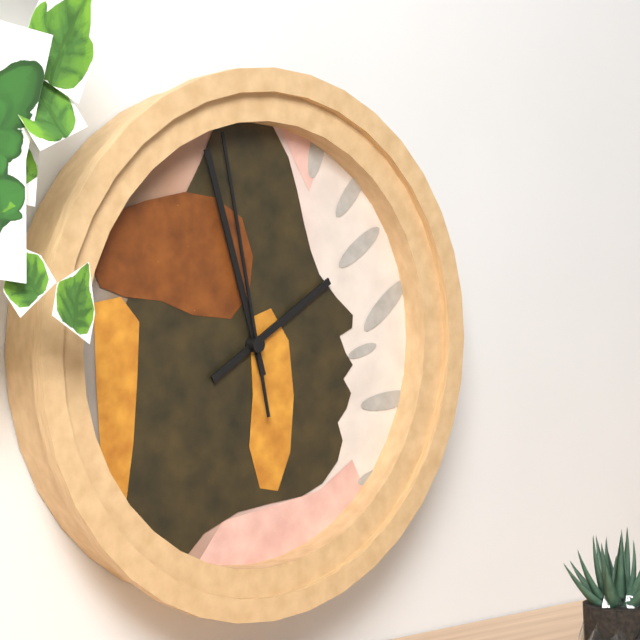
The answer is 1:57:58
